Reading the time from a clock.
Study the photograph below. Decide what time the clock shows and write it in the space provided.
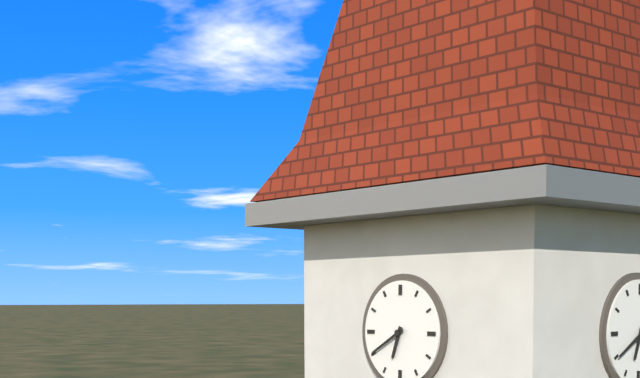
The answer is 6:40
